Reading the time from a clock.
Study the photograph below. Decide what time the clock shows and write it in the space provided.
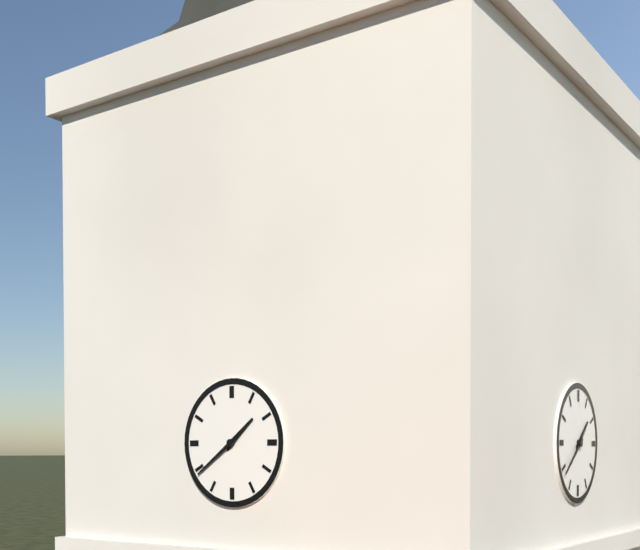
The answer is 1:39
